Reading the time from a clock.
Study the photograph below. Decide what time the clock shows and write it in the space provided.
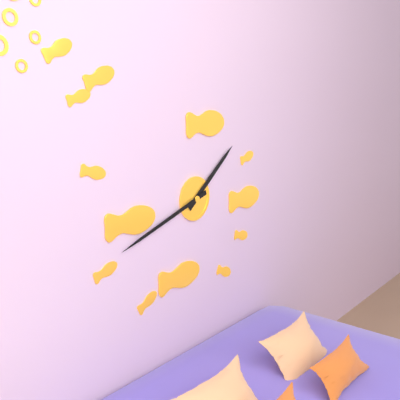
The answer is 1:42
